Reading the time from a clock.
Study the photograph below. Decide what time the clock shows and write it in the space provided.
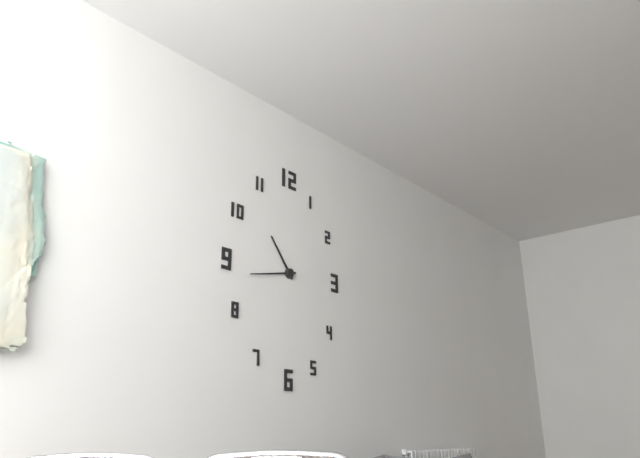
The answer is 10:43
